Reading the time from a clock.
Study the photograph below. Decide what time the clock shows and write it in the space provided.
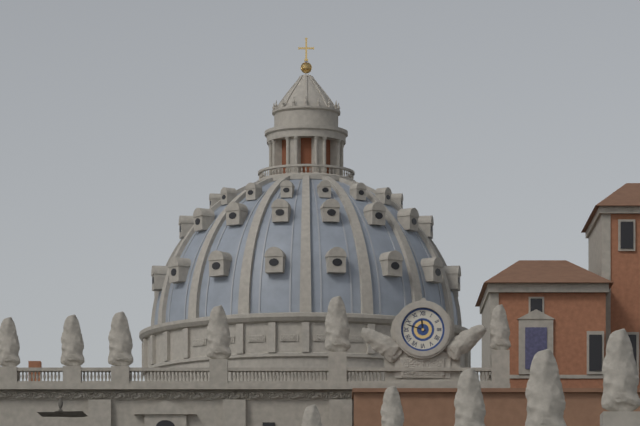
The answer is 11:48
